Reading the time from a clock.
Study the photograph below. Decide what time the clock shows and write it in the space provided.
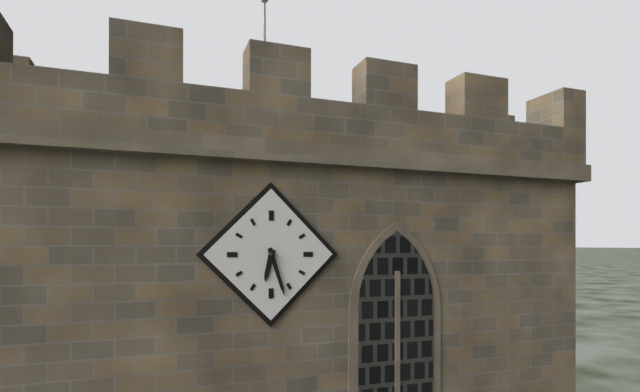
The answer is 6:27
